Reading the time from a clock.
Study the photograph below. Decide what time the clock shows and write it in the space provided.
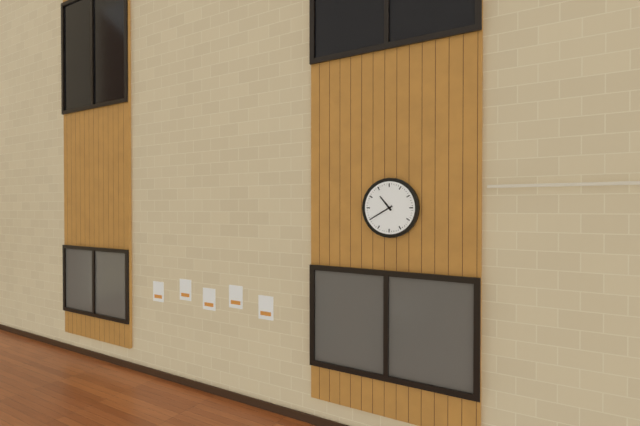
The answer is 10:40
